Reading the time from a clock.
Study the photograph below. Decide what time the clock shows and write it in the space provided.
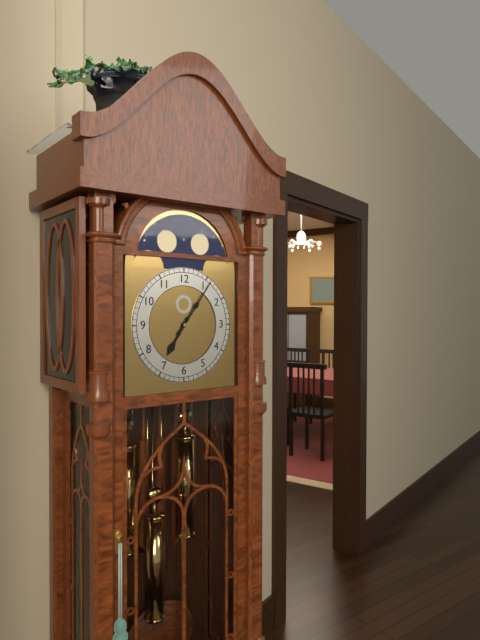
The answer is 7:06
